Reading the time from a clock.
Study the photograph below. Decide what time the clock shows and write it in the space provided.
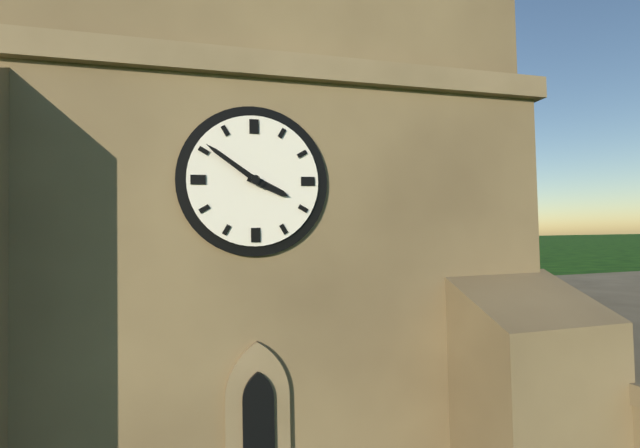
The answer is 3:51
